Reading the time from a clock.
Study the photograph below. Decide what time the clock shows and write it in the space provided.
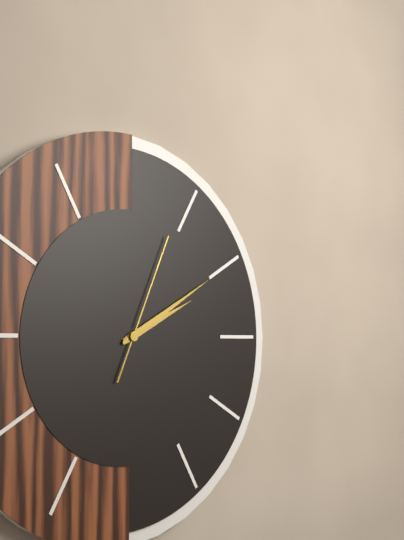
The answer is 2:10:04
